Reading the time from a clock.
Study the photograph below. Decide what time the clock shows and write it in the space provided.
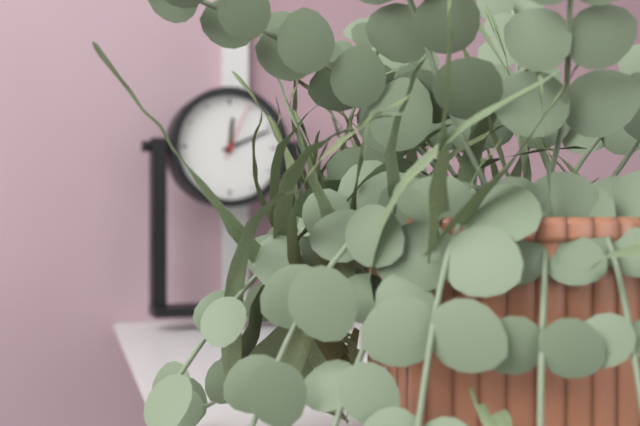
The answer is 12:11:04
